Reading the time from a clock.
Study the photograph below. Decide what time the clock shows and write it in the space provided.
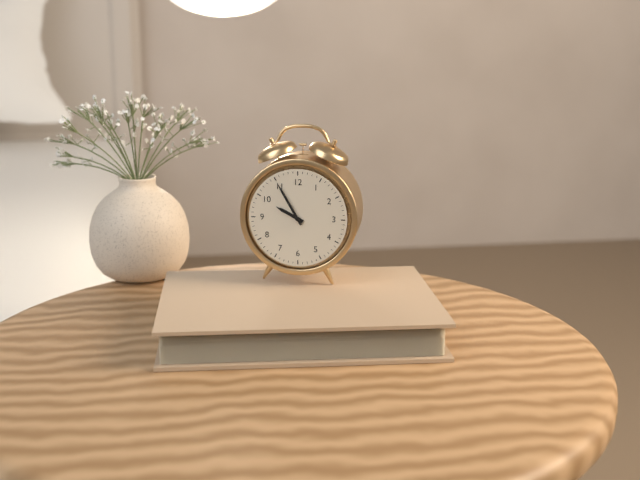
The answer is 9:55
